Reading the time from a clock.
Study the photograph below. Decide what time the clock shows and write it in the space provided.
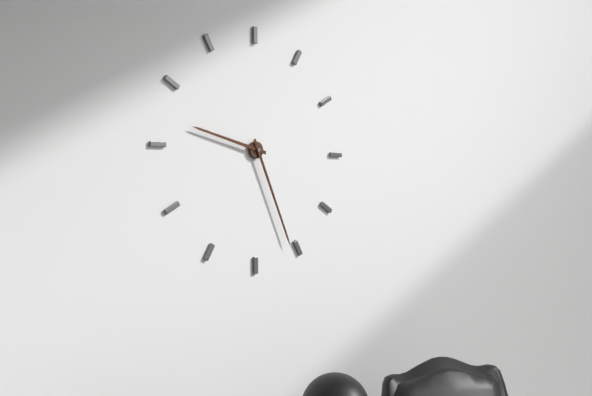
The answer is 9:26
